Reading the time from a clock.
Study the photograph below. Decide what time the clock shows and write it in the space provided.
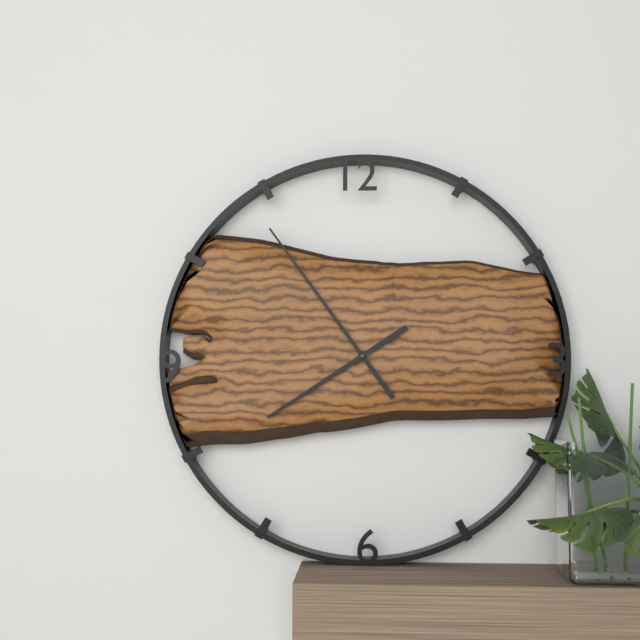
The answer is 7:54
